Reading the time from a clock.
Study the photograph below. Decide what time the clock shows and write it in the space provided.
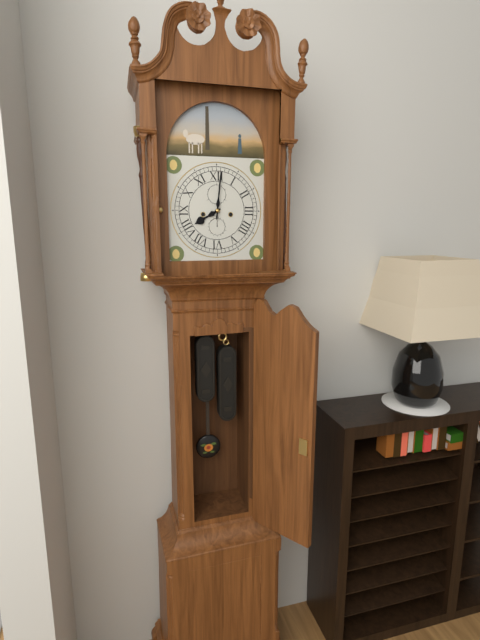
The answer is 8:01
